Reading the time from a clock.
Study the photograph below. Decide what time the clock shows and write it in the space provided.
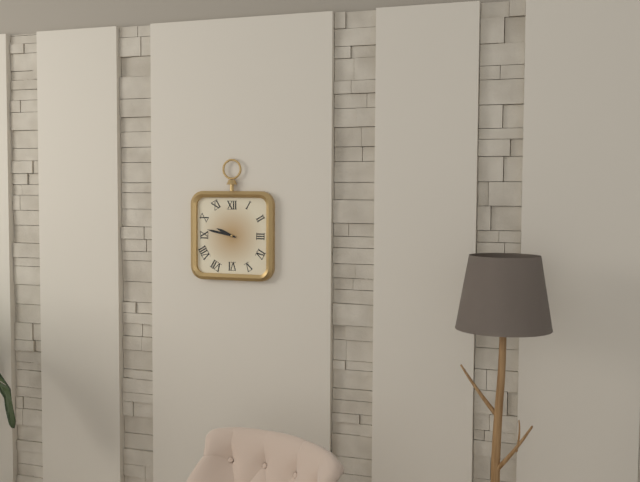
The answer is 9:47
